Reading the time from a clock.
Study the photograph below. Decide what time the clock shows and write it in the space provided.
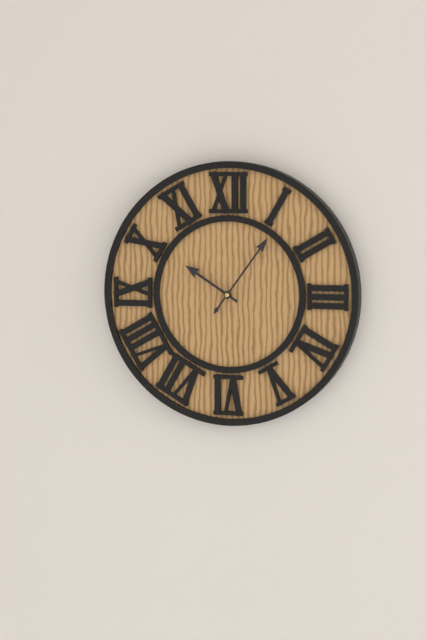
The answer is 10:06
